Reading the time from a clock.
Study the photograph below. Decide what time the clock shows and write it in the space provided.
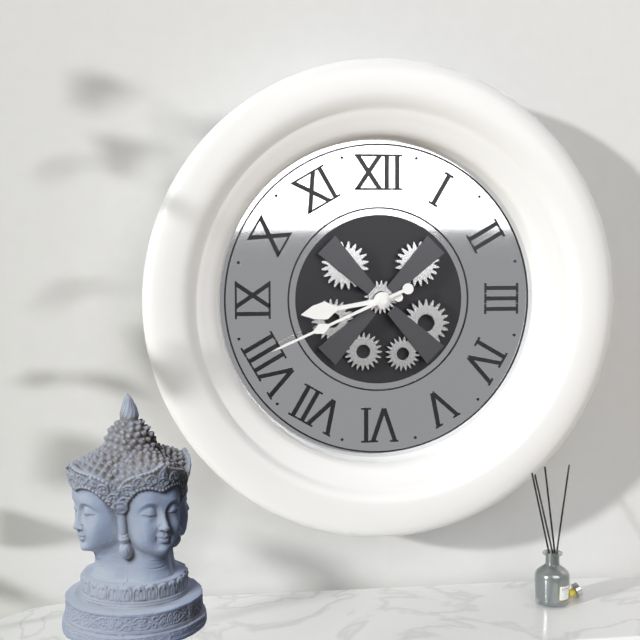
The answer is 8:41
